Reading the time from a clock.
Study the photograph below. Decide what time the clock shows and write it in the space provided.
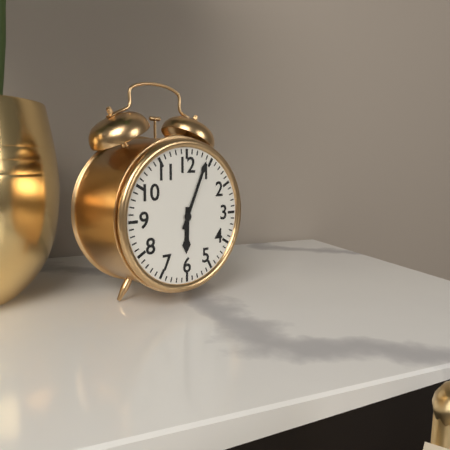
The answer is 6:04
